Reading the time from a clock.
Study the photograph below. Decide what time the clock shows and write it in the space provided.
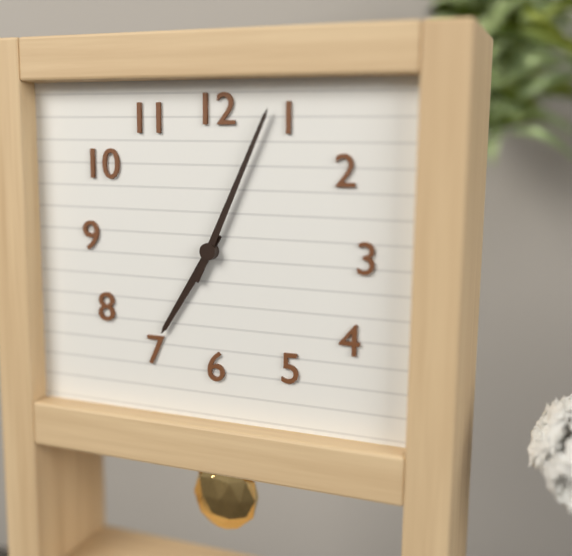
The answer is 7:04
